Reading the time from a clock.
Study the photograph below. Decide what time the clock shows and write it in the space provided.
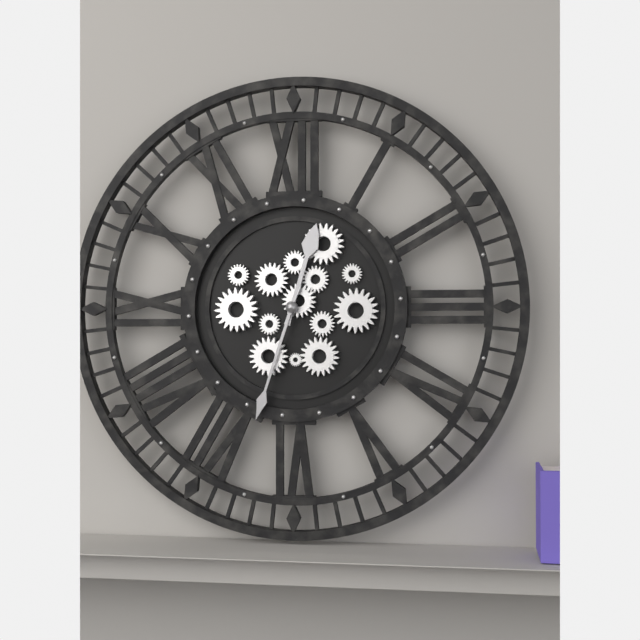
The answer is 12:33
